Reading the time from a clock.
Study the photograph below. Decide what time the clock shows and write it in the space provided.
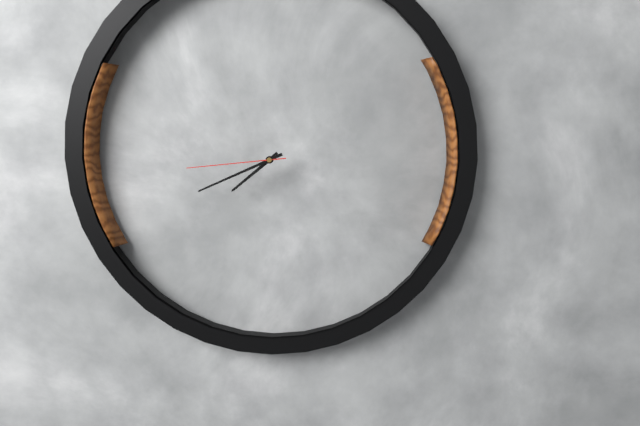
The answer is 7:41:44
